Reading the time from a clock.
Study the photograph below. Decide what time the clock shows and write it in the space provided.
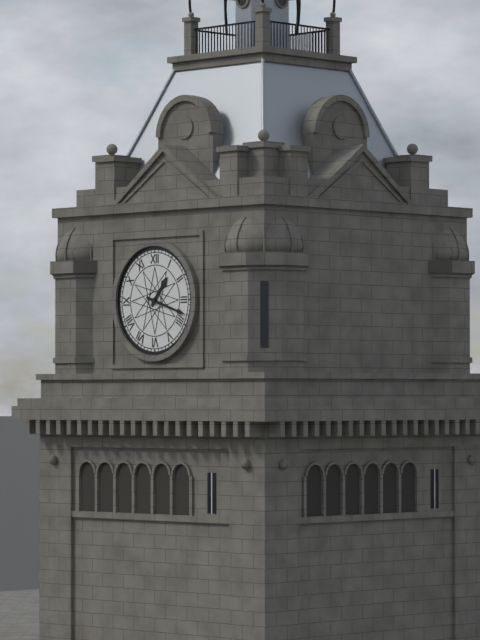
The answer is 1:18
